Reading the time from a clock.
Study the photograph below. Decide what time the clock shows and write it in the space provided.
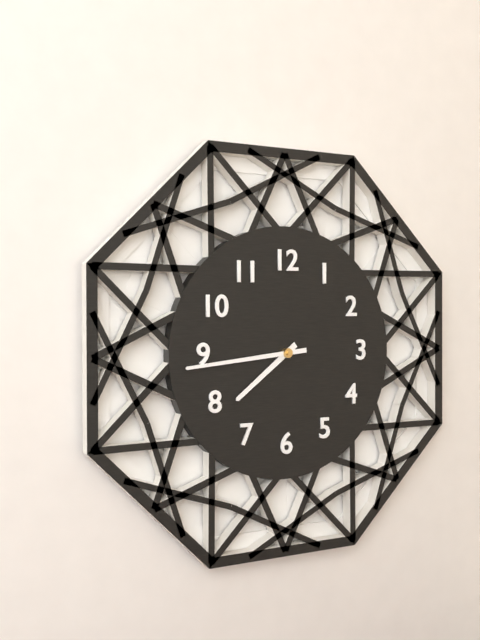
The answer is 7:44
